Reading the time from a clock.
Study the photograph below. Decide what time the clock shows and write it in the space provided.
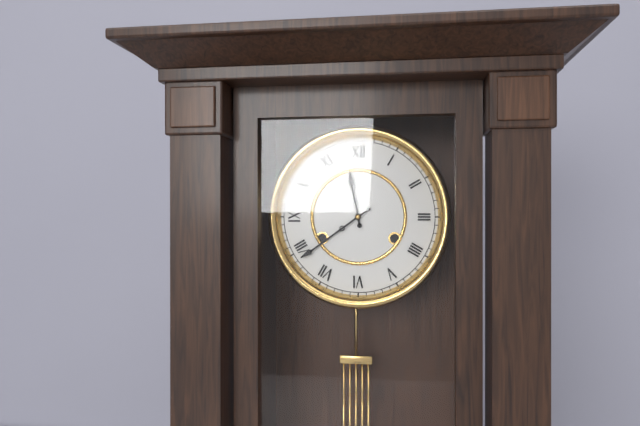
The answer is 11:39
